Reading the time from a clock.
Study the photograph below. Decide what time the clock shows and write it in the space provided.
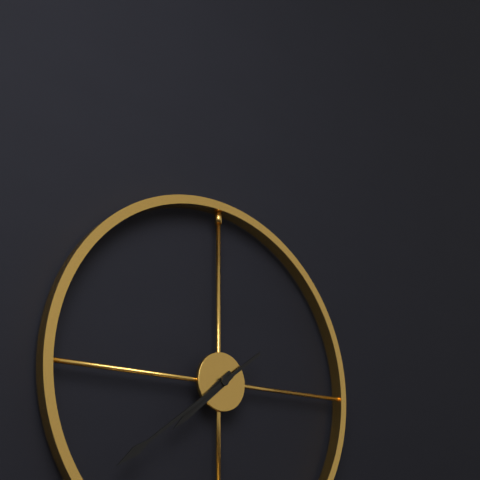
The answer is 7:39
